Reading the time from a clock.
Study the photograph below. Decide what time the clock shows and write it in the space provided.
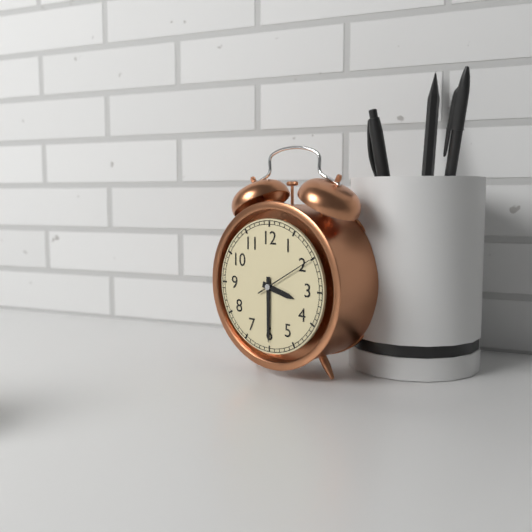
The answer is 3:30:10
